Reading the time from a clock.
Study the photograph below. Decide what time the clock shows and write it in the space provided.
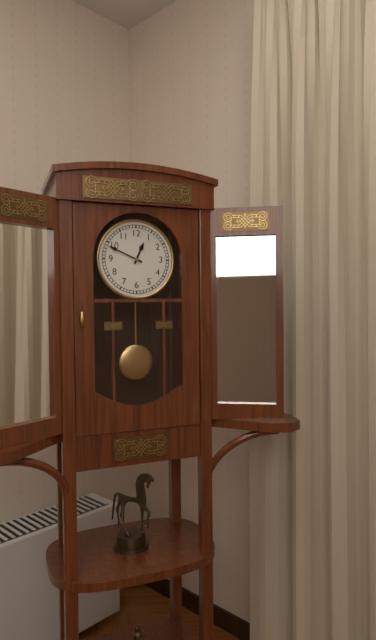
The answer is 12:49
